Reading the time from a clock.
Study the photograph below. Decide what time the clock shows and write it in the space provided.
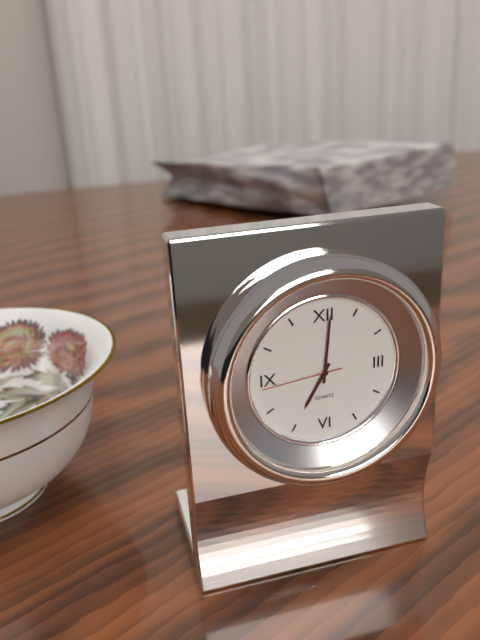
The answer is 7:01:44
